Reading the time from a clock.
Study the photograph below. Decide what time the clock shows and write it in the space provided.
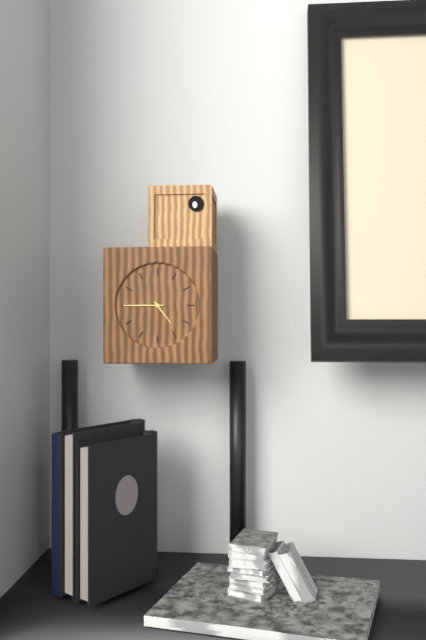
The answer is 4:45
